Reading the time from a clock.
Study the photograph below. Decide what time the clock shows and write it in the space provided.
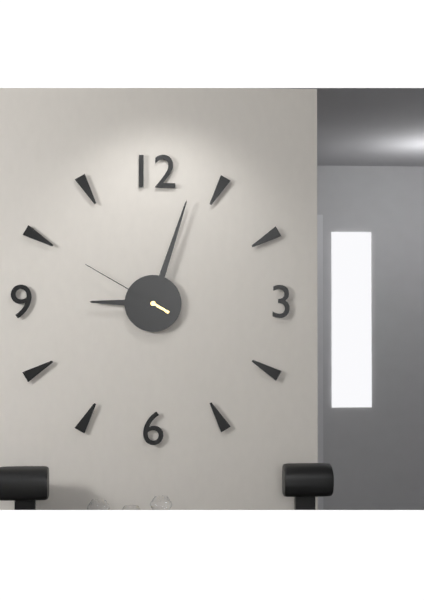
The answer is 9:03:50
